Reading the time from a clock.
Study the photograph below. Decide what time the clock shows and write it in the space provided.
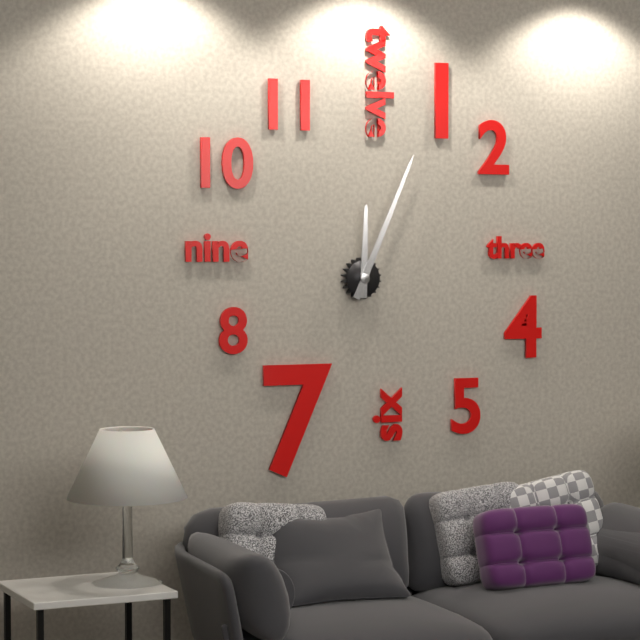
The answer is 12:04
